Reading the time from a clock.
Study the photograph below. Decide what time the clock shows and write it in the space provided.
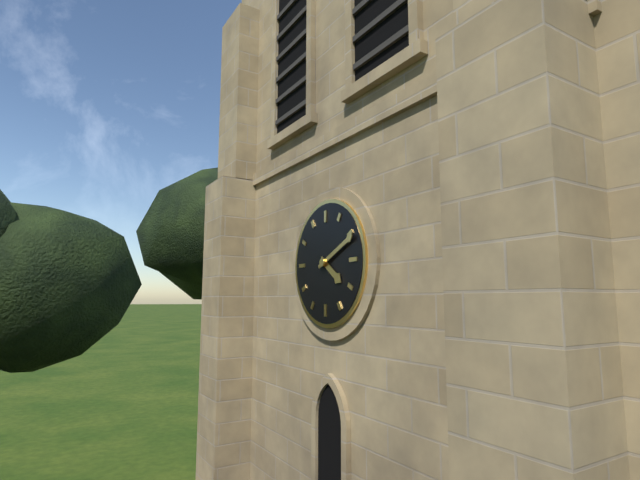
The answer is 4:11
